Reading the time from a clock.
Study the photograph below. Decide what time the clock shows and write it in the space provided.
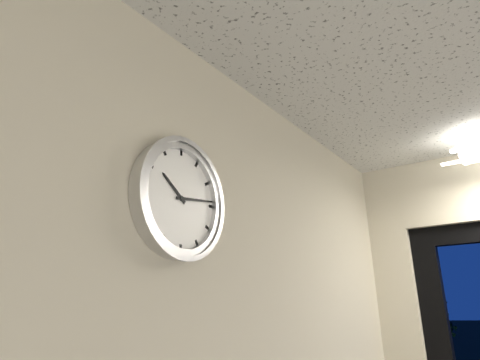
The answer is 10:14
